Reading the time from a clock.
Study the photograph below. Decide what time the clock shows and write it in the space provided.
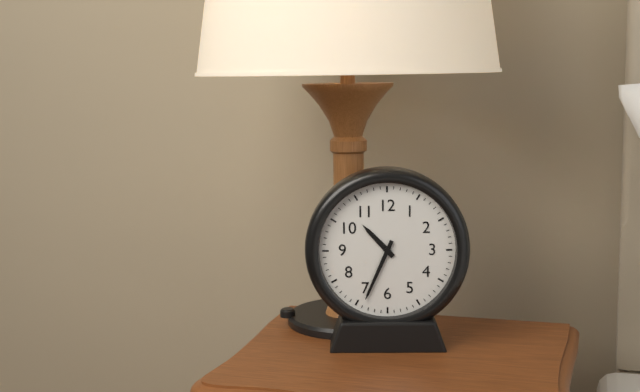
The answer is 10:34
